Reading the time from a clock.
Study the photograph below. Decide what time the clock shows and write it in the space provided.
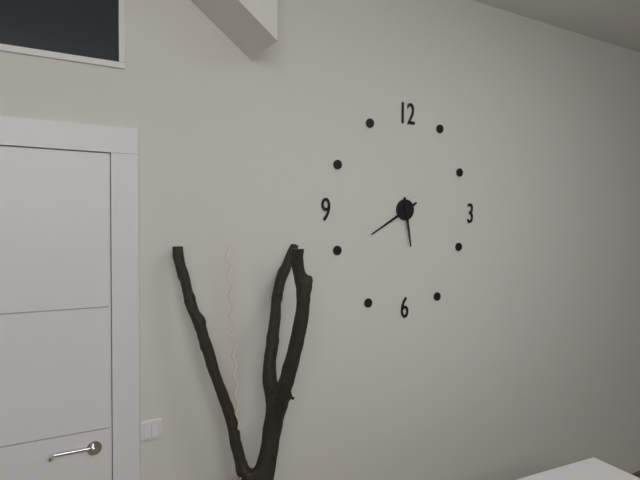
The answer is 5:40
